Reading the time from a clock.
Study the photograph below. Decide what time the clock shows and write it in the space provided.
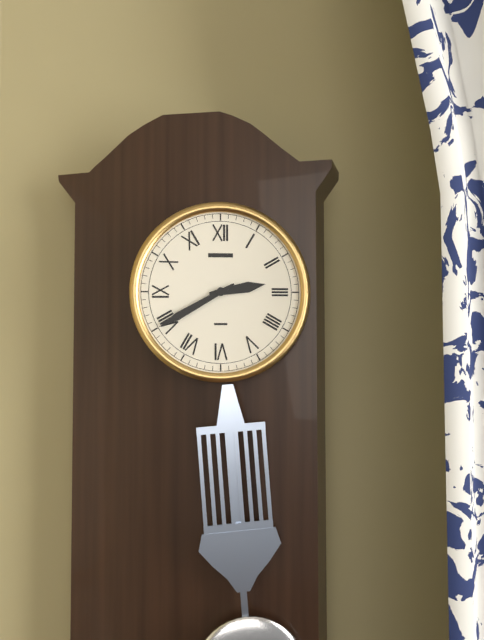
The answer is 2:40
